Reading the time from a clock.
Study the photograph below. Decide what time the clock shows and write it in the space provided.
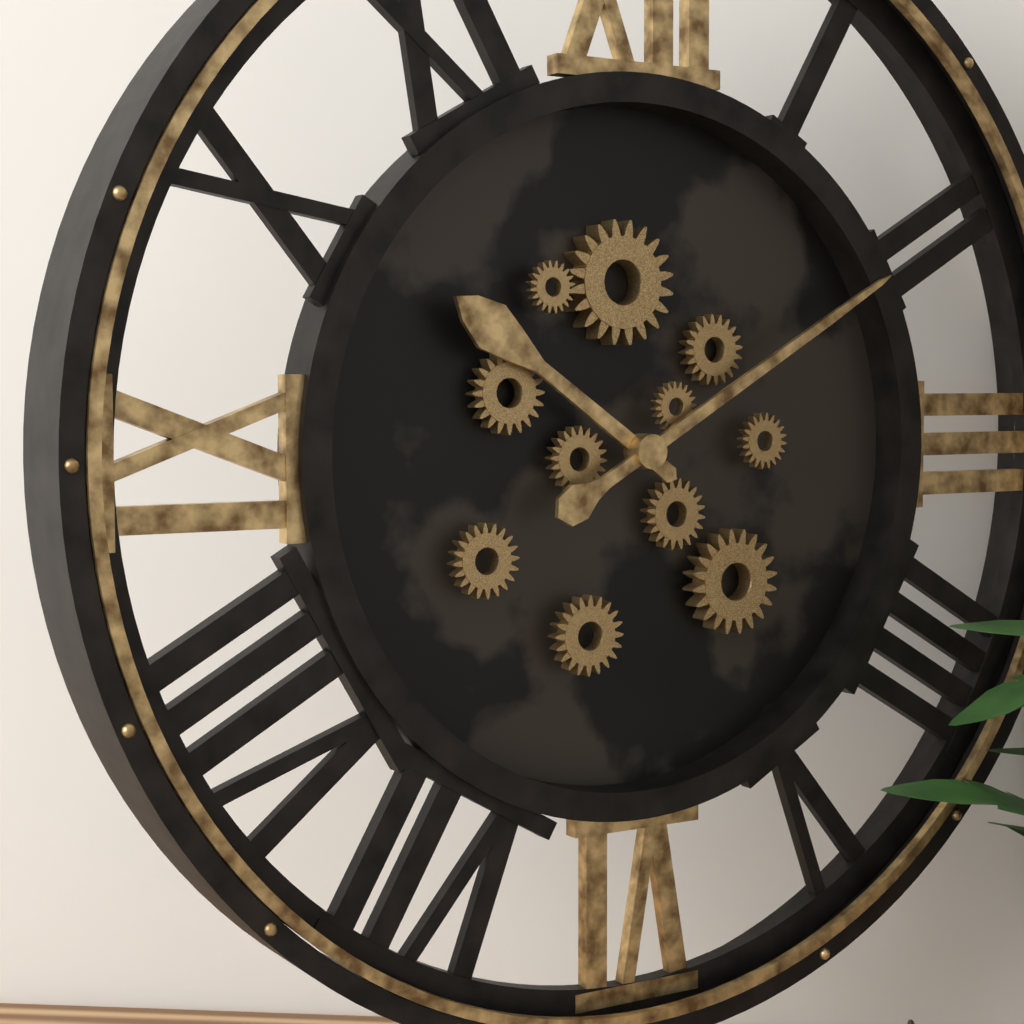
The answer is 10:10
